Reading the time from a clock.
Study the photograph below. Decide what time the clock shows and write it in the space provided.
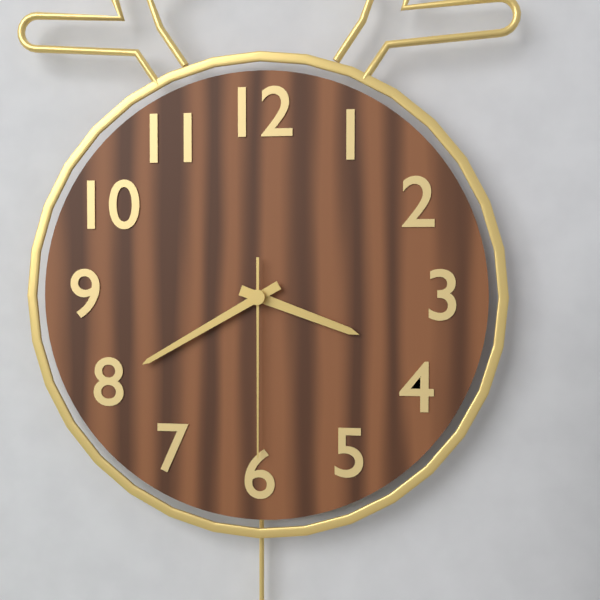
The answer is 3:40:30
